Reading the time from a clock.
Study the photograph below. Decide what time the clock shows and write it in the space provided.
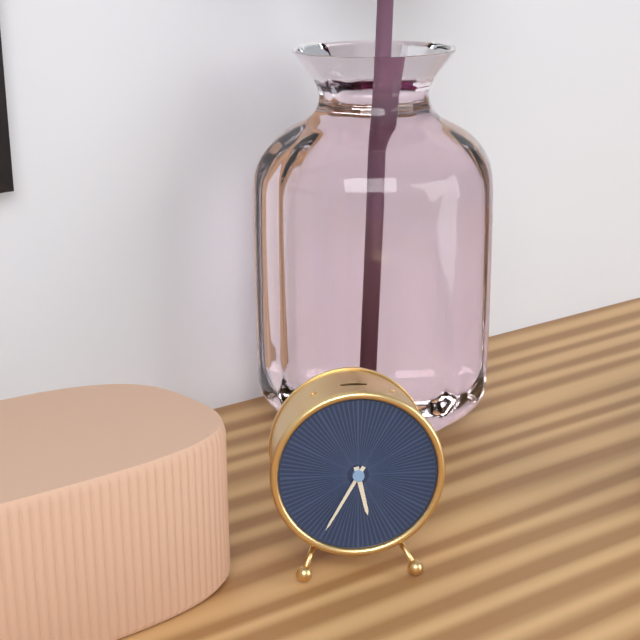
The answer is 5:35
